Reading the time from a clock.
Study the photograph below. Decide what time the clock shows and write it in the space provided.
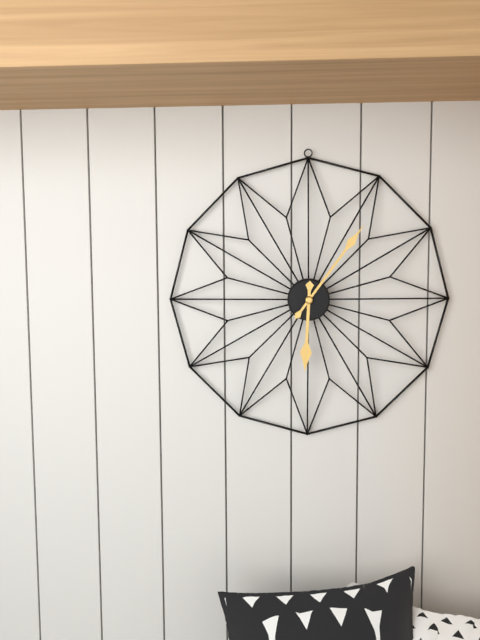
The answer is 6:06
